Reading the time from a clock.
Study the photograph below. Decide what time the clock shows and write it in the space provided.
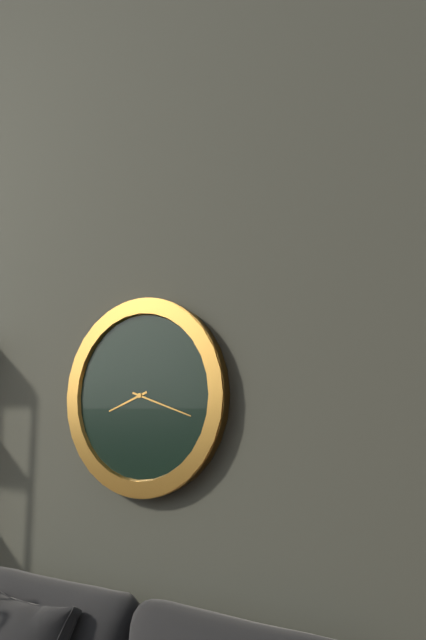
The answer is 8:18
